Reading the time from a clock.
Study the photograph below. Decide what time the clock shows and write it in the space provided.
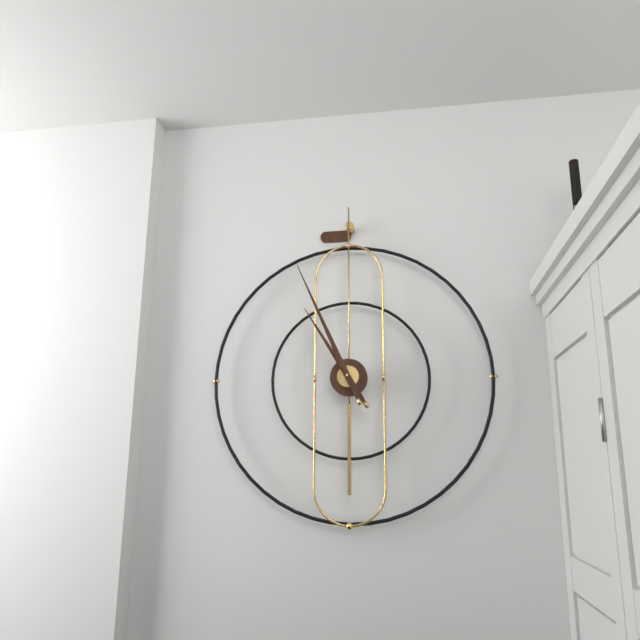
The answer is 10:56
